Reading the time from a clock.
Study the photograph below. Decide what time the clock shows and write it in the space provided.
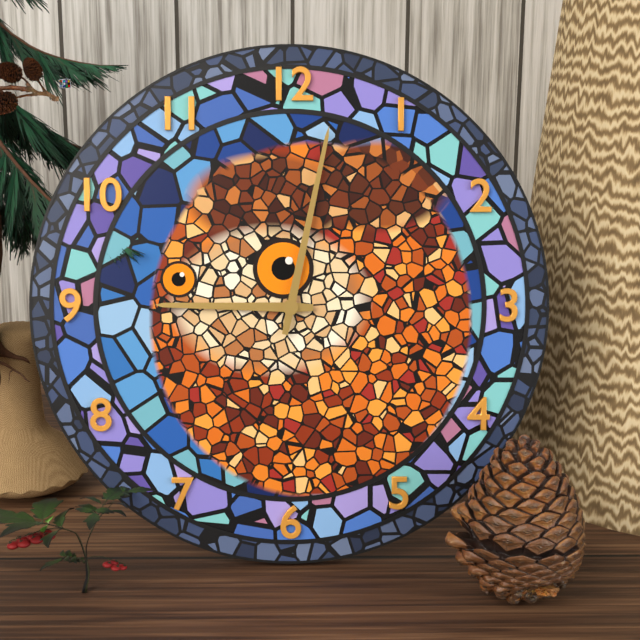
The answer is 9:02
